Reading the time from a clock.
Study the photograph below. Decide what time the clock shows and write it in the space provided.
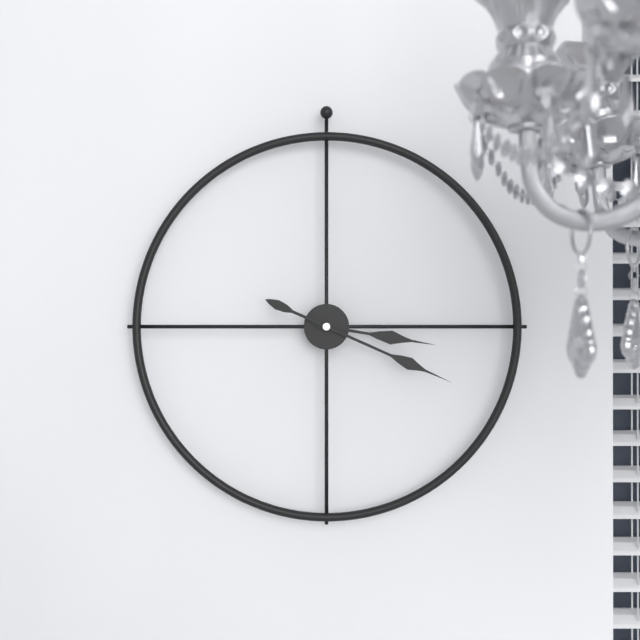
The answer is 3:19
